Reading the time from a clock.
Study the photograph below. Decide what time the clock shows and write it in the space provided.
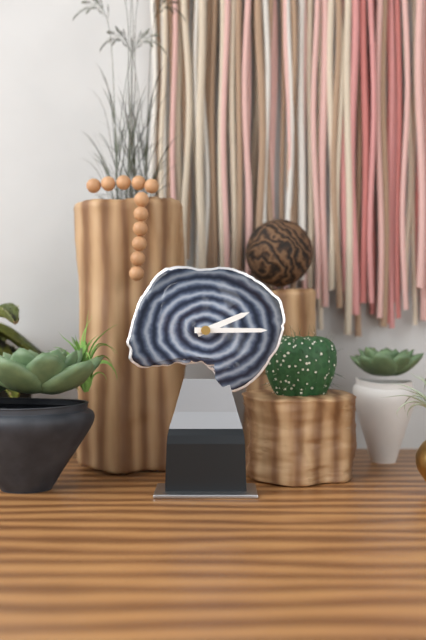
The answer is 2:15
